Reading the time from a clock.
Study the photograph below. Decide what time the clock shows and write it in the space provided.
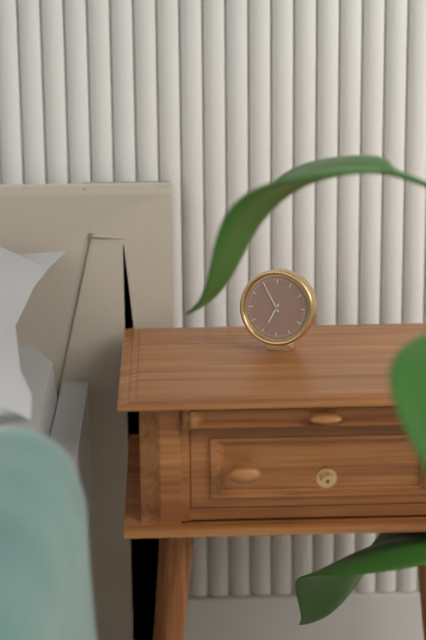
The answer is 6:55
